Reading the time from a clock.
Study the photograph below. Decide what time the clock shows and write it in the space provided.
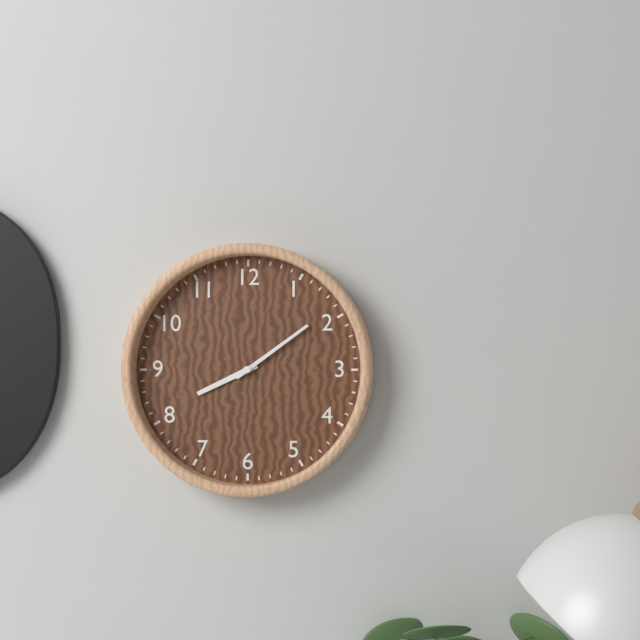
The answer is 8:09
